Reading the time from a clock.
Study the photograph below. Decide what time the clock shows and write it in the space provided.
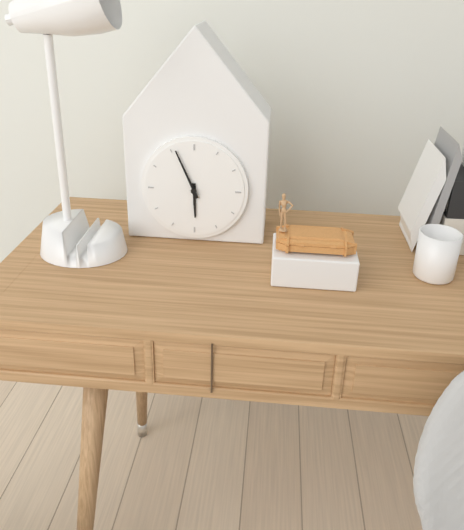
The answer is 5:56
